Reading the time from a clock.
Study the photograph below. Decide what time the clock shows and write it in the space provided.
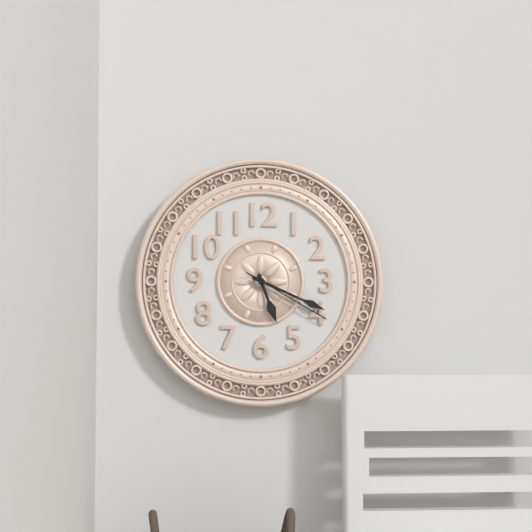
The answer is 5:19:20
